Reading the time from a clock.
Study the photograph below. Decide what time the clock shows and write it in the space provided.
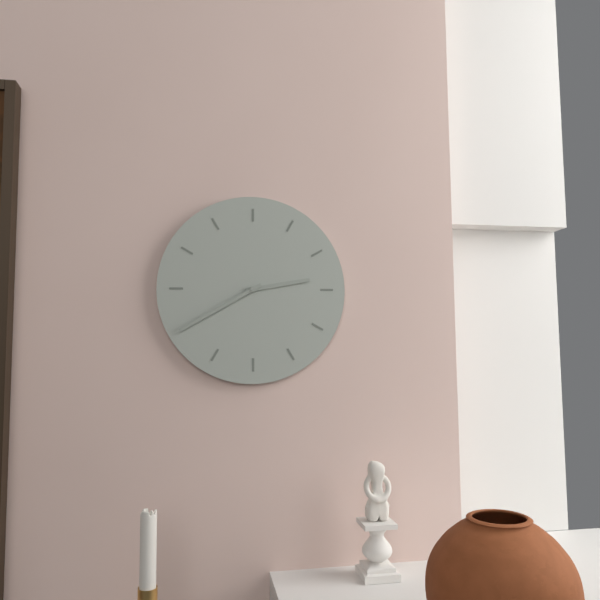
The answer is 2:40
